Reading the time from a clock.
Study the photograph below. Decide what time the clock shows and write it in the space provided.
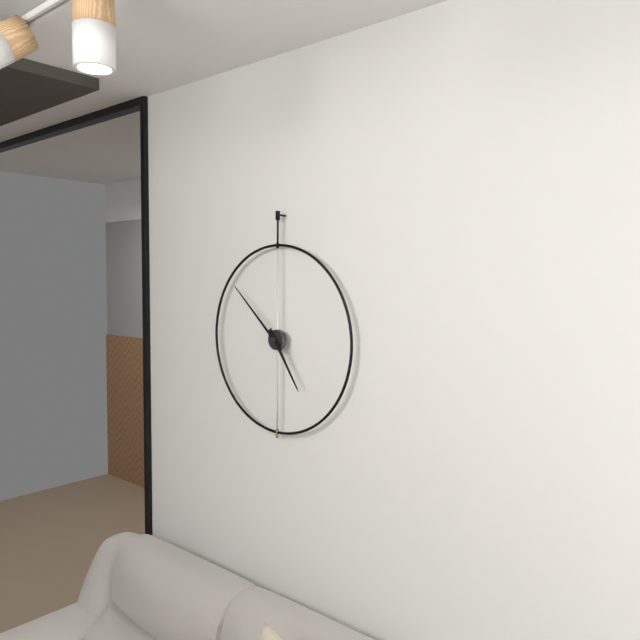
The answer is 4:52
